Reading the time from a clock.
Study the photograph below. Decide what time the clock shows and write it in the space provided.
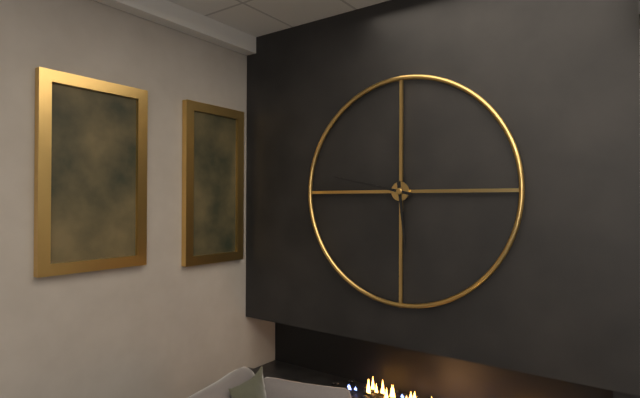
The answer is 5:47
